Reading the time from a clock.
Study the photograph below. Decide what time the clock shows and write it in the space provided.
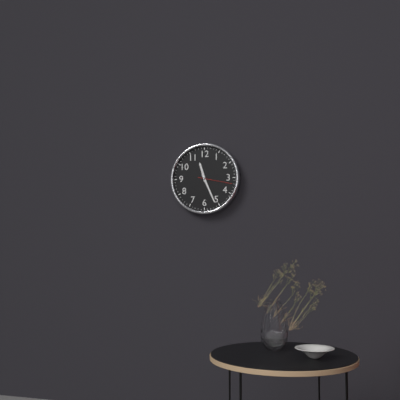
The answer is 11:26
